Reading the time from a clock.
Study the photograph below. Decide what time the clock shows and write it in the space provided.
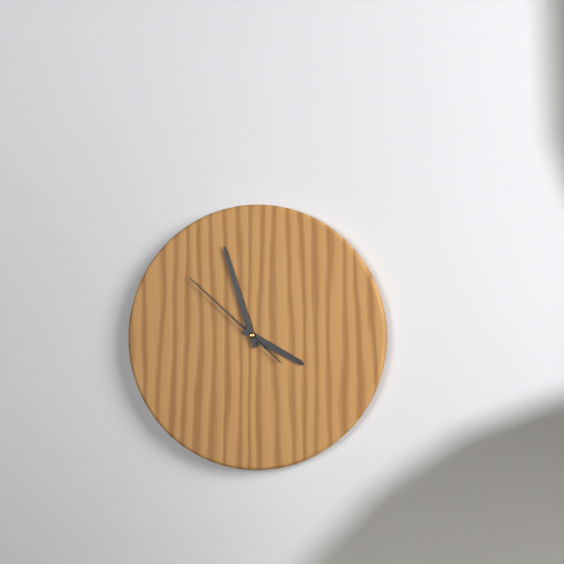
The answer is 3:57:52
